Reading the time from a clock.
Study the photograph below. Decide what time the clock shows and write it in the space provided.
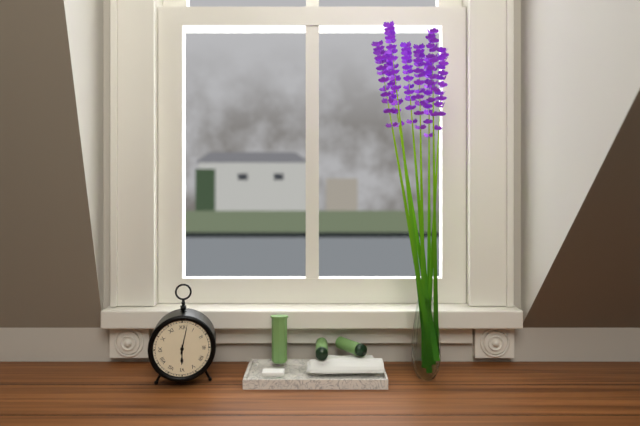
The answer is 6:02
